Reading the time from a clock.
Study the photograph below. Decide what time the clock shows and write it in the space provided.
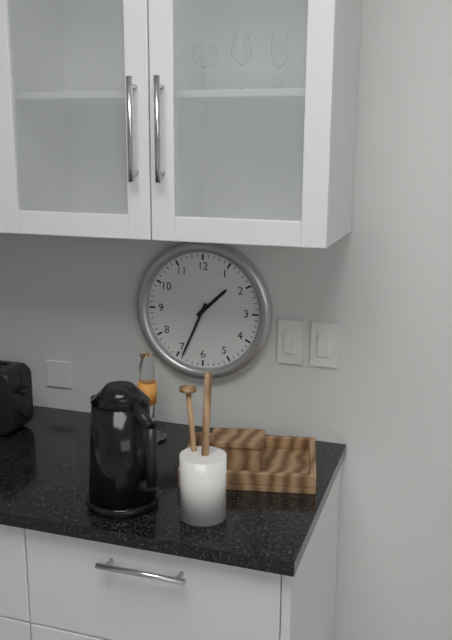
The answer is 1:34
